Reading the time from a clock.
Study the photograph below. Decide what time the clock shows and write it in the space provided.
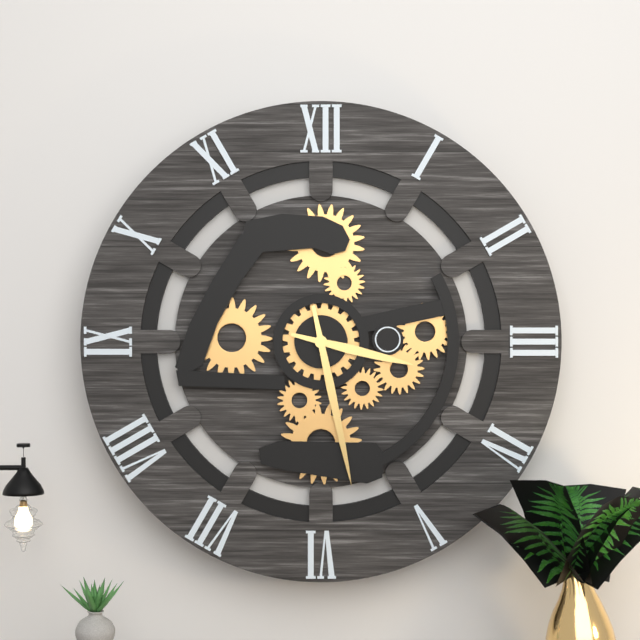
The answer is 3:28
